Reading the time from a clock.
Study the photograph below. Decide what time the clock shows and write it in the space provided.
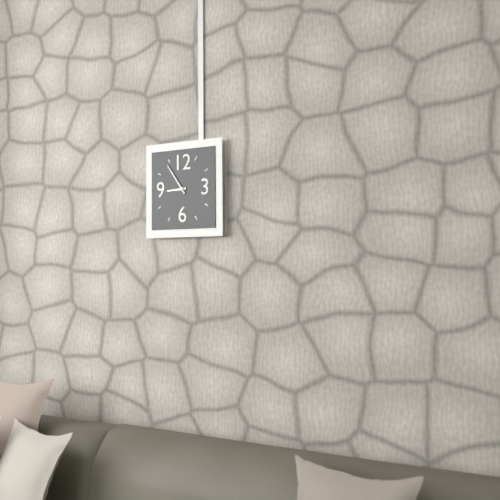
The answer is 8:54
